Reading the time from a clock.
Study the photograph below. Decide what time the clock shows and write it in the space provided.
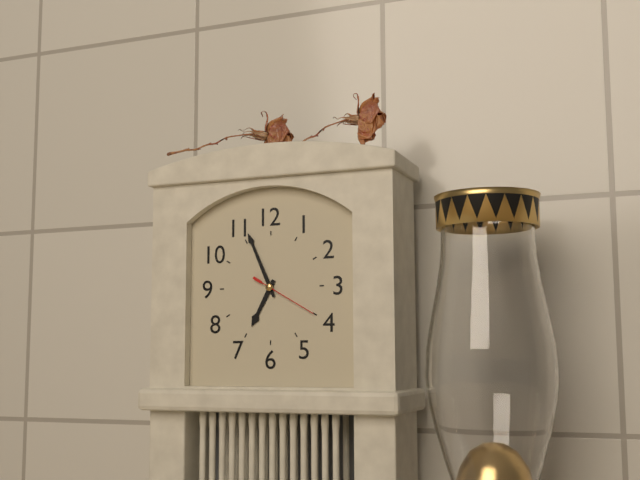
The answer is 6:56:20
